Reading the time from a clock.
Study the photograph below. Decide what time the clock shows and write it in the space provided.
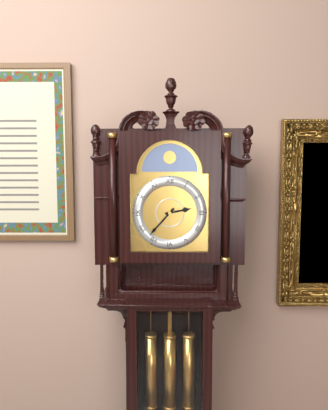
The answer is 2:37
